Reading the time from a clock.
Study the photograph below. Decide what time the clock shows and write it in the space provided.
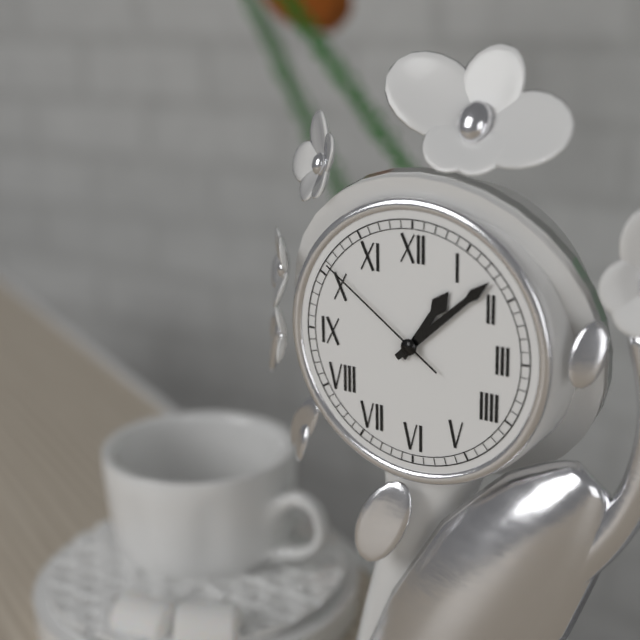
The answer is 1:08:51
